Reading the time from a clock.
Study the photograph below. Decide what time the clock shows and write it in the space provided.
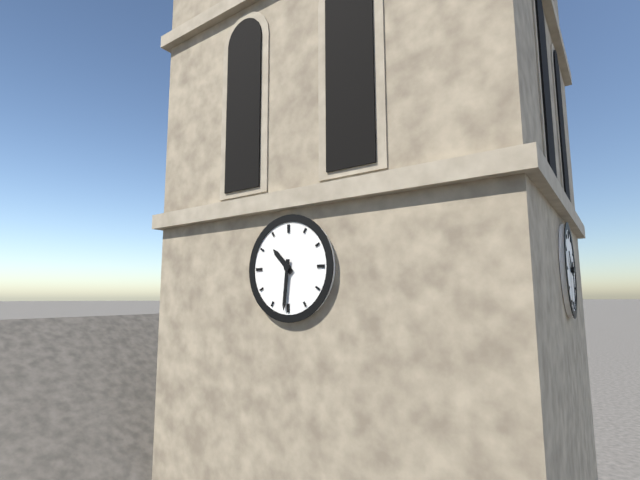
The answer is 10:31
